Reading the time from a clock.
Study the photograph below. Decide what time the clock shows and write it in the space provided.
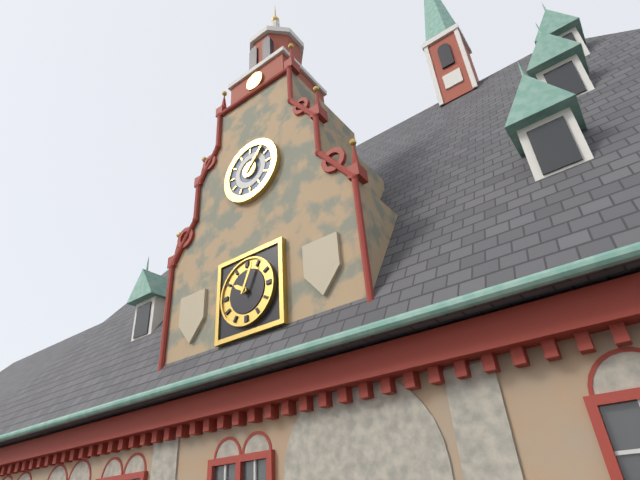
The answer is 10:04
